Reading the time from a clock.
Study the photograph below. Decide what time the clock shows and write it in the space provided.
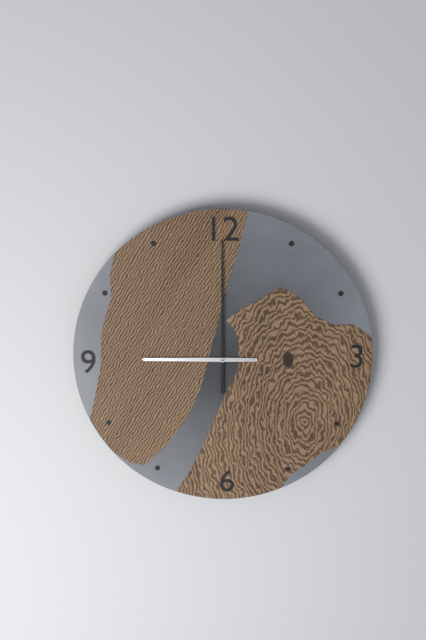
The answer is 9:00
